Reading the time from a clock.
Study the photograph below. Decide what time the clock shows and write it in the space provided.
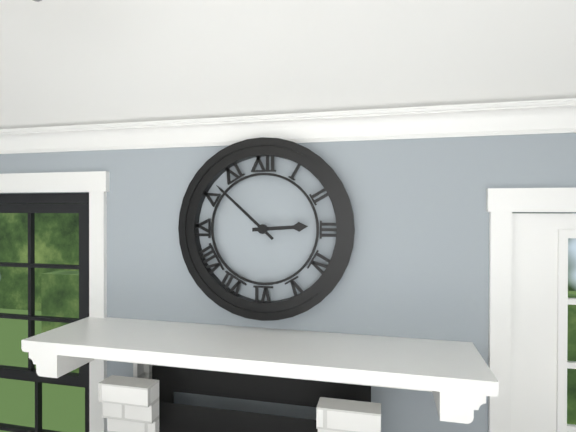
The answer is 2:52
